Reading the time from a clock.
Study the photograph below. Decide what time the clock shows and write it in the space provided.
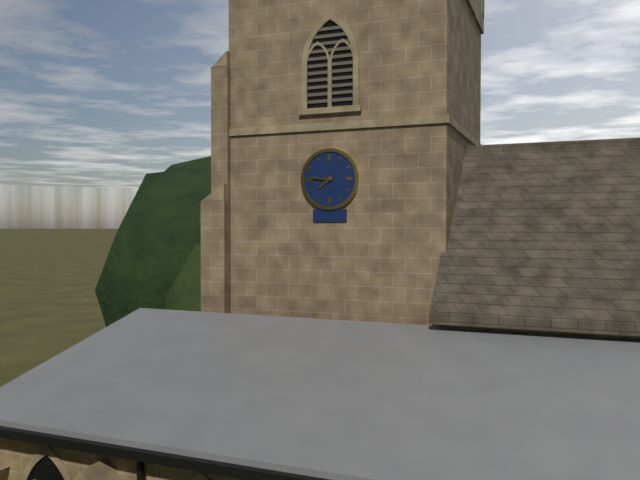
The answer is 7:46
